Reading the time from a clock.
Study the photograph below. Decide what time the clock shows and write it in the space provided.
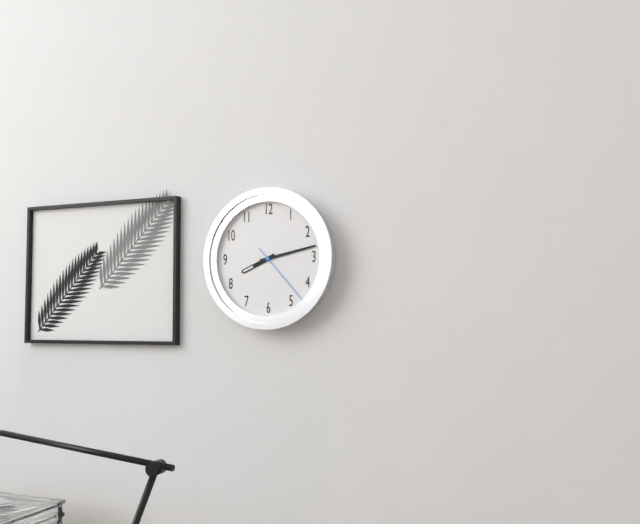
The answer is 8:13:23
